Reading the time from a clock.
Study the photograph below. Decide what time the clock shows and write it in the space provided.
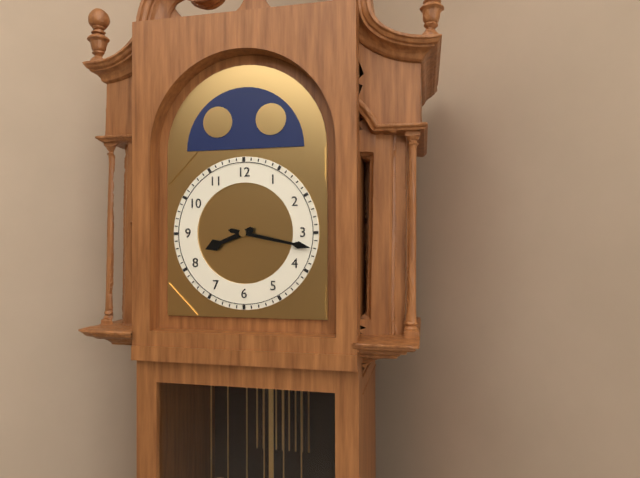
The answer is 8:17
